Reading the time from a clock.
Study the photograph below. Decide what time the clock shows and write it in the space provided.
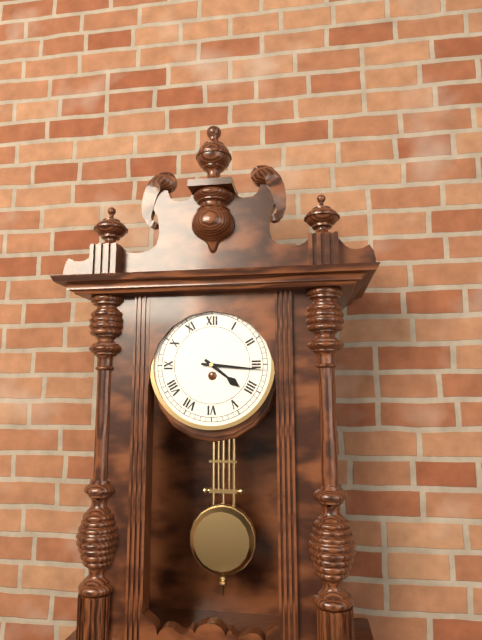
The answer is 4:16
